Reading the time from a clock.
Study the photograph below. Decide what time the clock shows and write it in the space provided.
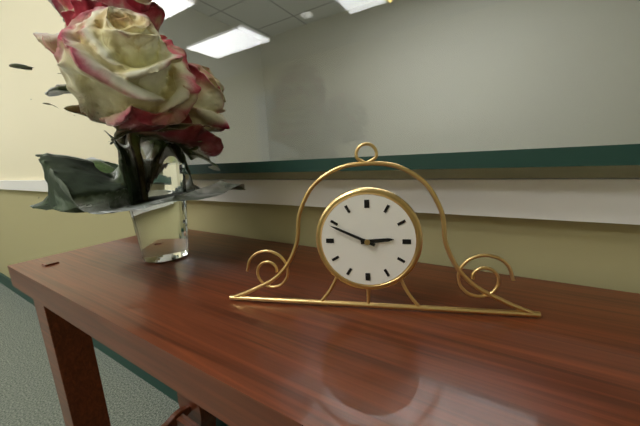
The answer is 2:49
